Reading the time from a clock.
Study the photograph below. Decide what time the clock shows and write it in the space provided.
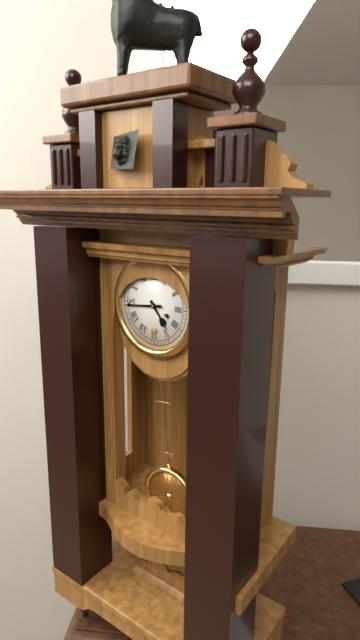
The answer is 4:44
